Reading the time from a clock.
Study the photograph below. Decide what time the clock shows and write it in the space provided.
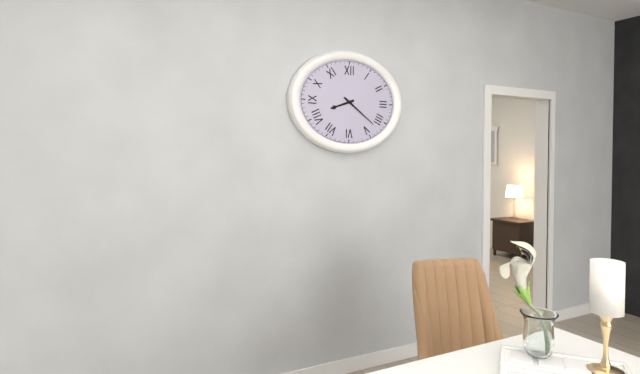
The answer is 8:21
